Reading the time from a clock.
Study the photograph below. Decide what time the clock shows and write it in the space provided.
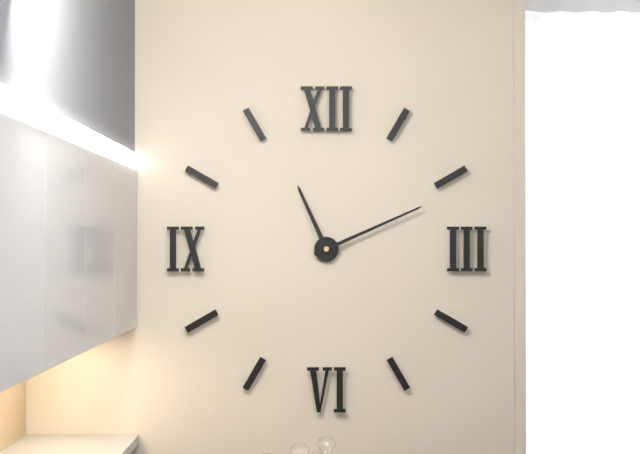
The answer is 11:11
